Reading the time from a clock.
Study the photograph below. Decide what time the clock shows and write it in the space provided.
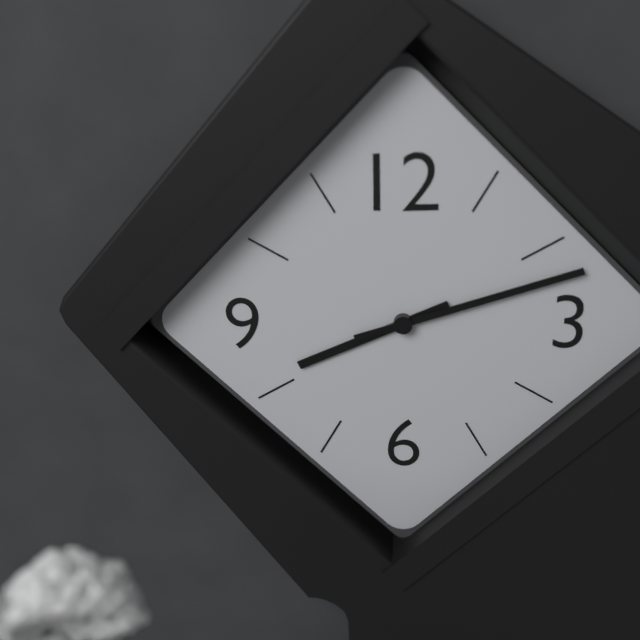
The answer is 8:12
